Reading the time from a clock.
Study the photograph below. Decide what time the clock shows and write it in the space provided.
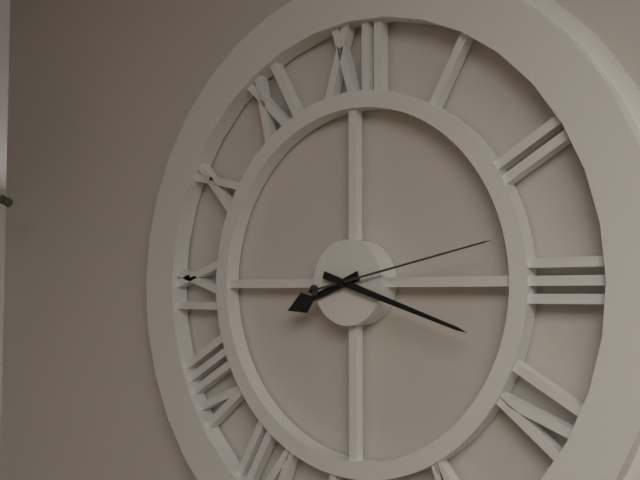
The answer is 8:18:13
